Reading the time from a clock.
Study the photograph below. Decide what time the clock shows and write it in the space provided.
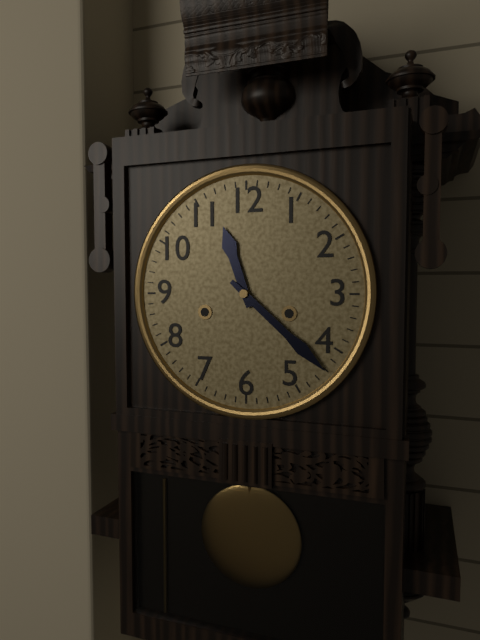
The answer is 11:22
